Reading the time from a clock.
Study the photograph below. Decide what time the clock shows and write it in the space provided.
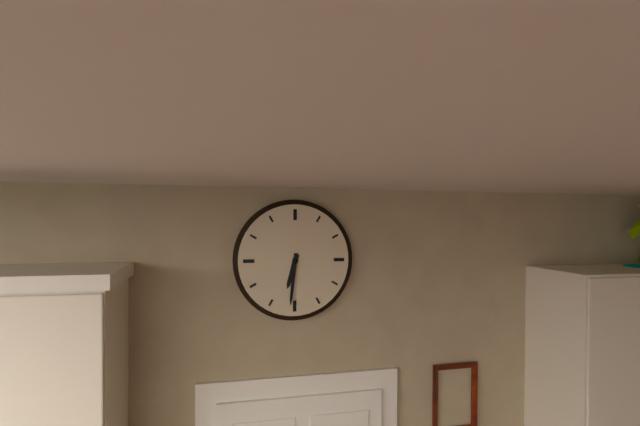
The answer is 6:31
